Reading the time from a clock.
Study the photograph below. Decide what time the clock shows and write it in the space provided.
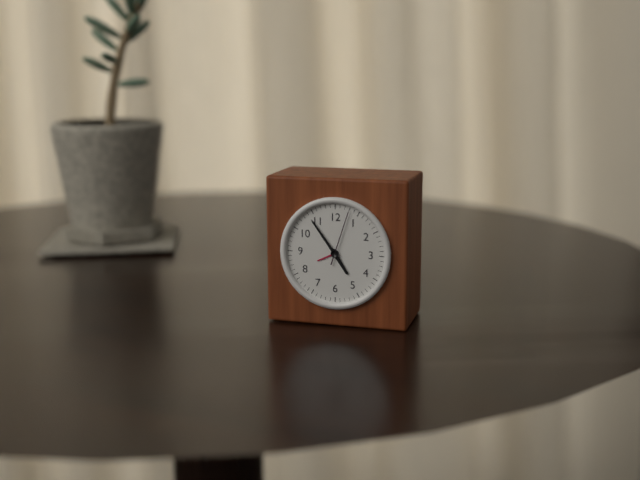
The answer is 4:54:03
